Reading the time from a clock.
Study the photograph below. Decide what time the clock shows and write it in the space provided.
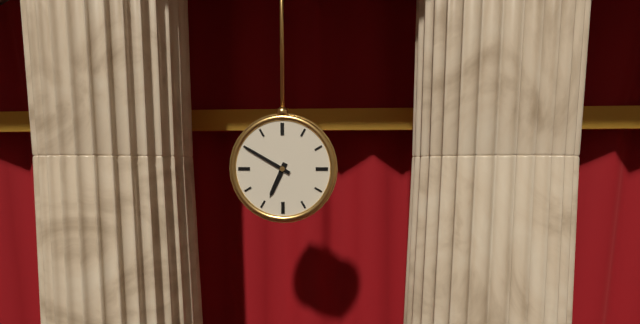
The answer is 6:50
